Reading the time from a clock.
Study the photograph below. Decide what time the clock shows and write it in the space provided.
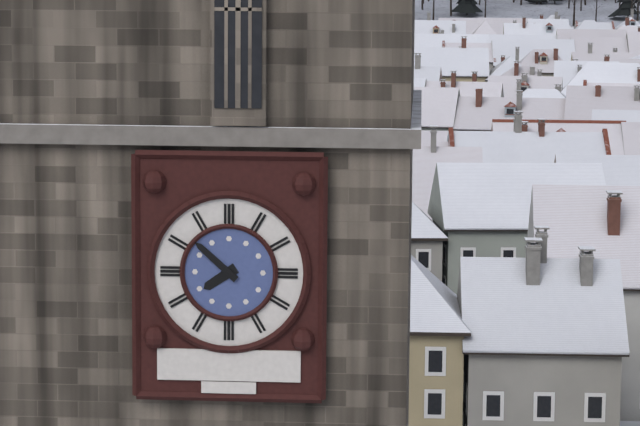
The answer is 7:52
